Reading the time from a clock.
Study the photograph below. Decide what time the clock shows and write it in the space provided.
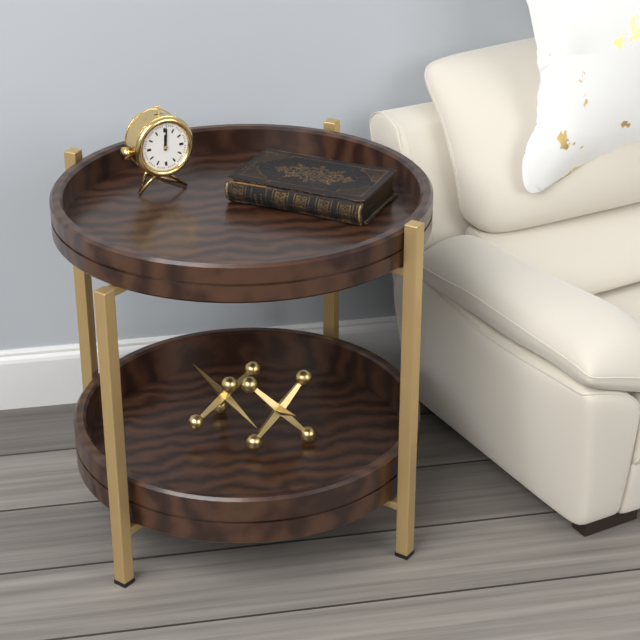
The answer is 12:01
